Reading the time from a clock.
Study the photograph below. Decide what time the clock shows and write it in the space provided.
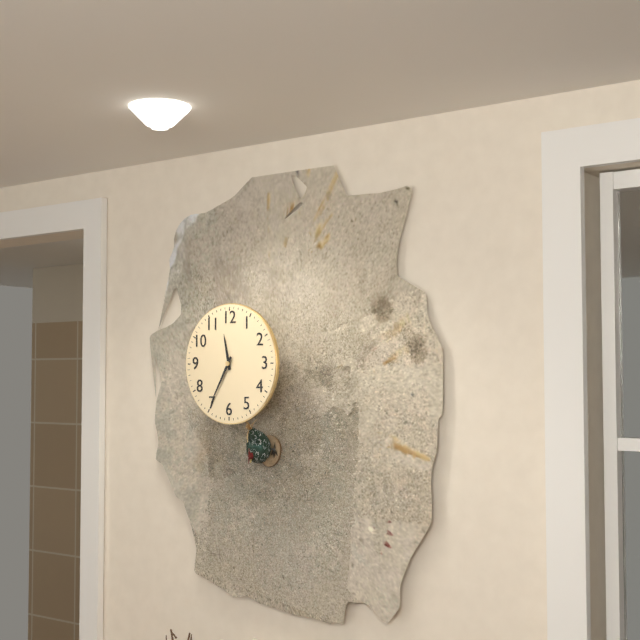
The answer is 11:35
